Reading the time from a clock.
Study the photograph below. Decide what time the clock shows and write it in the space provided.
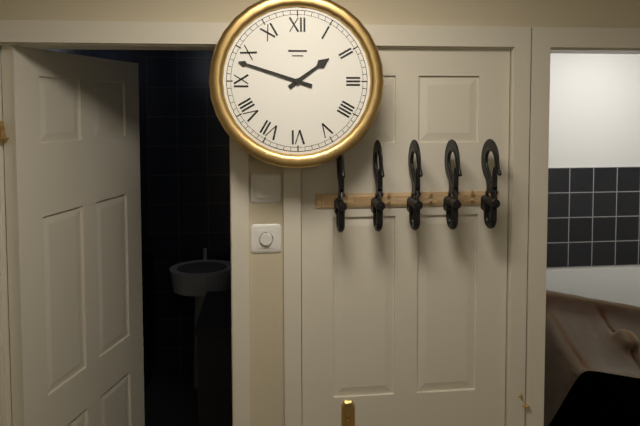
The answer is 1:48
